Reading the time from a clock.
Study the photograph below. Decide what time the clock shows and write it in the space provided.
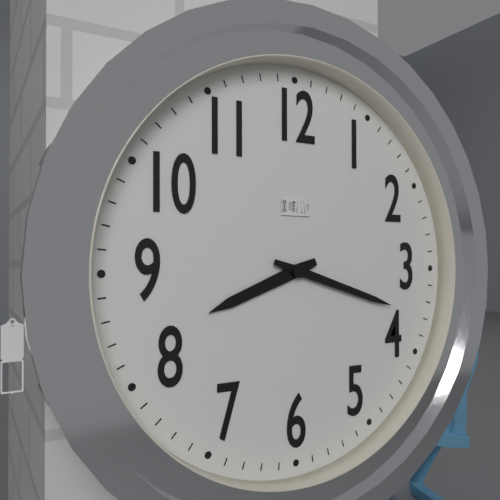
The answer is 8:18
